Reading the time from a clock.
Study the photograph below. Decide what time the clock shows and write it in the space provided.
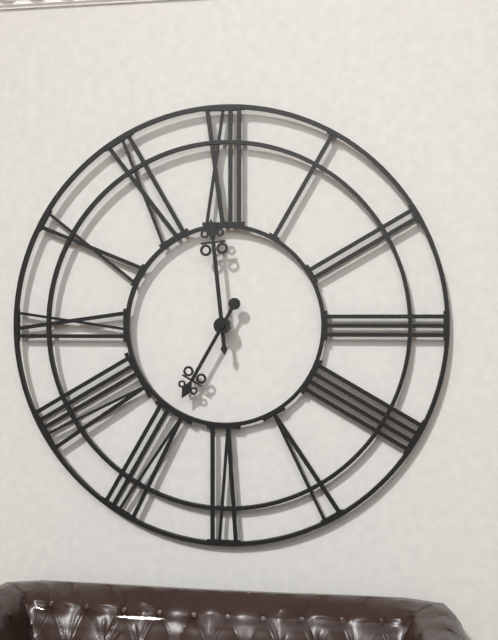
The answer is 6:59
